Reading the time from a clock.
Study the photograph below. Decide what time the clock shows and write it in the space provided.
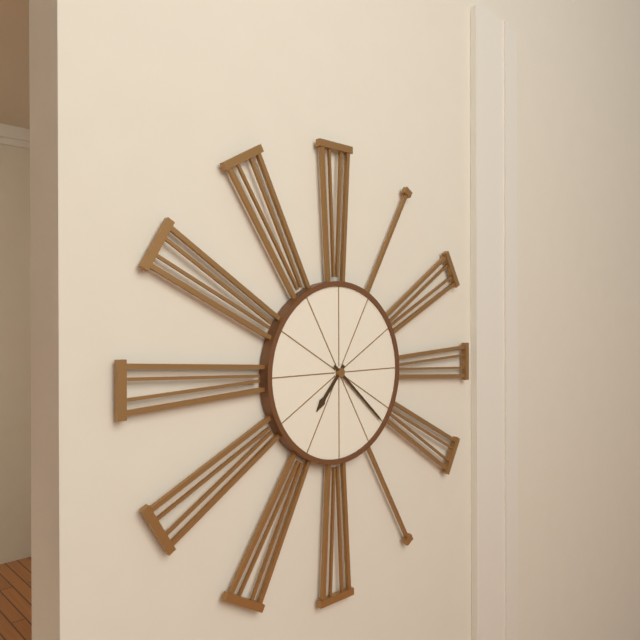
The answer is 7:22
